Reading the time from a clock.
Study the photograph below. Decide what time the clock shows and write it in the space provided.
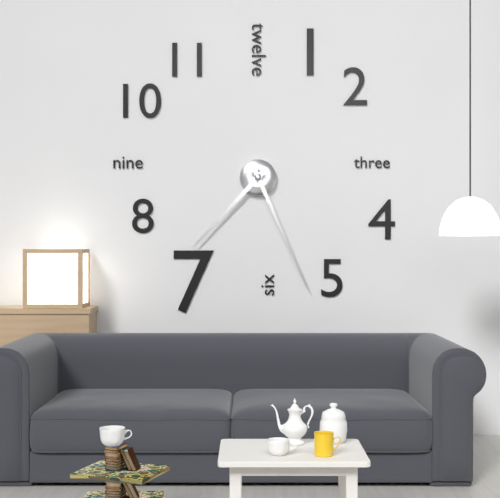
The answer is 7:26
